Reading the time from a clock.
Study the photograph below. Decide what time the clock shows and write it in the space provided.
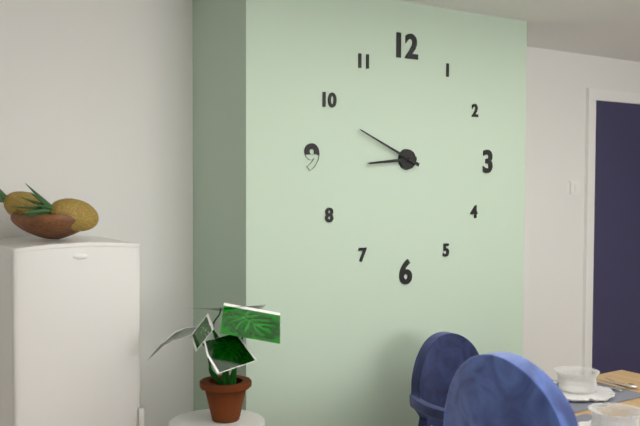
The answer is 8:49
